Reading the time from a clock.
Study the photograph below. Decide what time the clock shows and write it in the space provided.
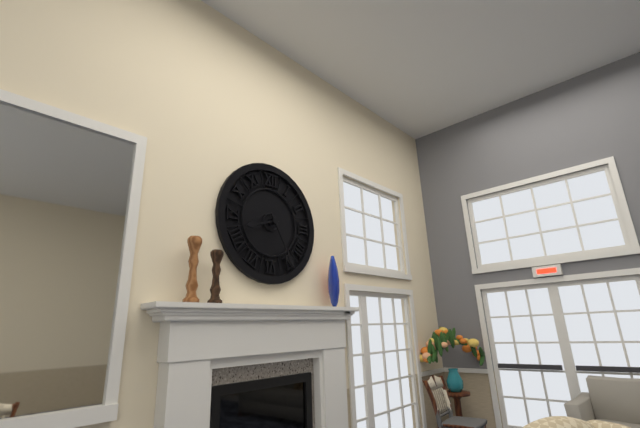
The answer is 8:25
